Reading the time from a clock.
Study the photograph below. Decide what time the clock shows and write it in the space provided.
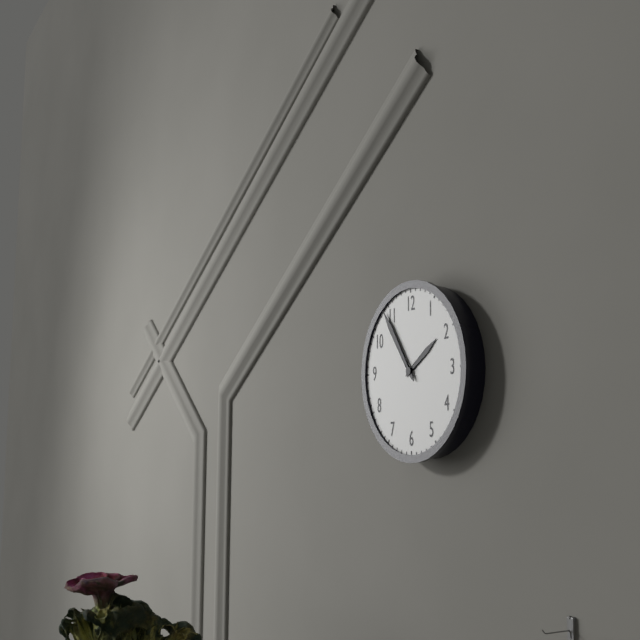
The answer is 1:54
